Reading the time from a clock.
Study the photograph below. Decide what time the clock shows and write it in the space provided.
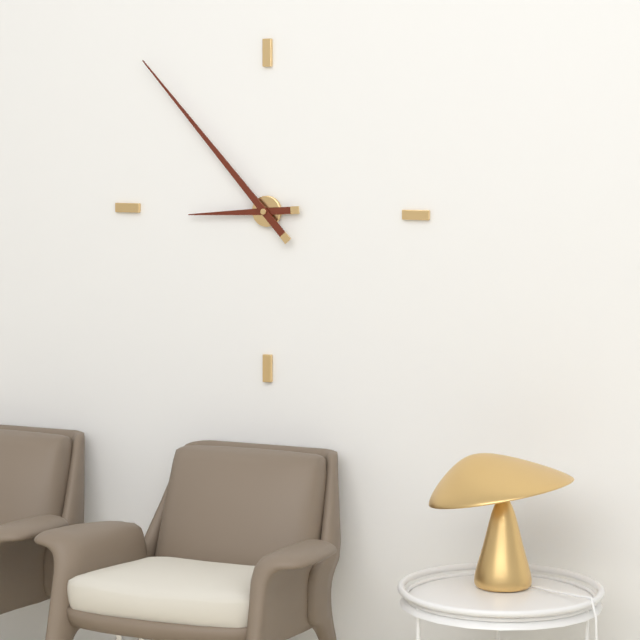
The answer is 8:53
